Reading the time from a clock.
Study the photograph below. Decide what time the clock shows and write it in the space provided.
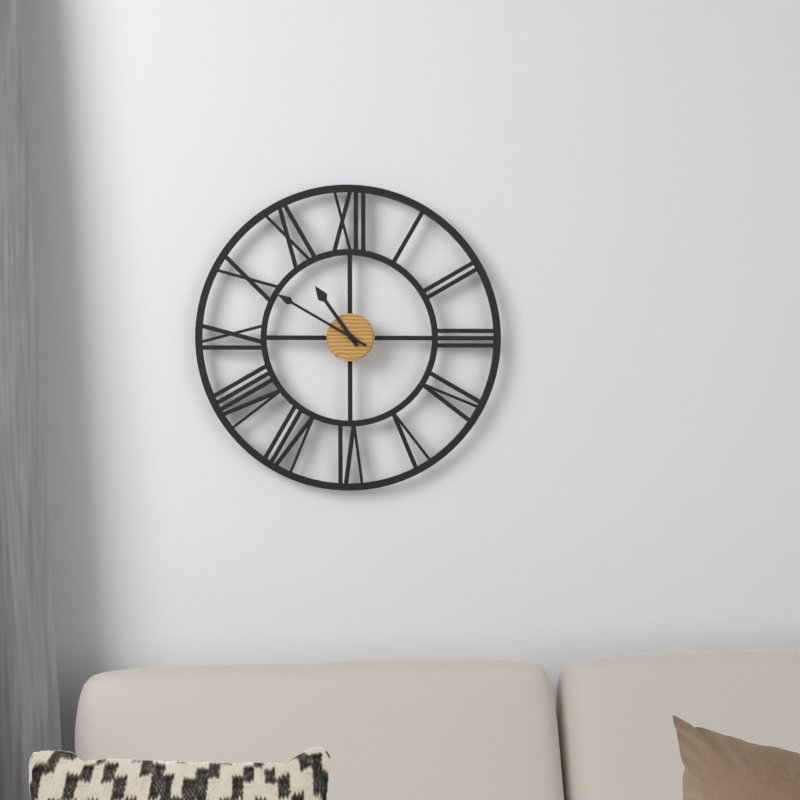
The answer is 10:50
